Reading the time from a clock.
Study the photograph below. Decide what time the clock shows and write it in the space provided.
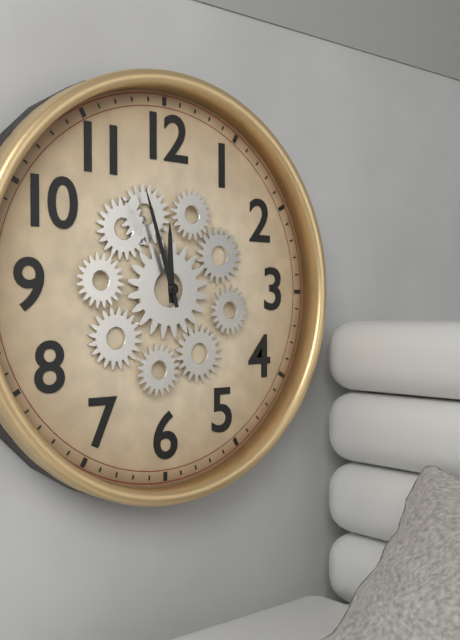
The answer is 11:57
